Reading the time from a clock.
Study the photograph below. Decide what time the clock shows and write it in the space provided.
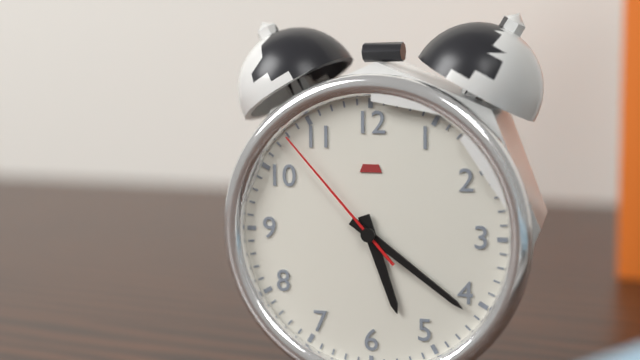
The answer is 5:21:53
